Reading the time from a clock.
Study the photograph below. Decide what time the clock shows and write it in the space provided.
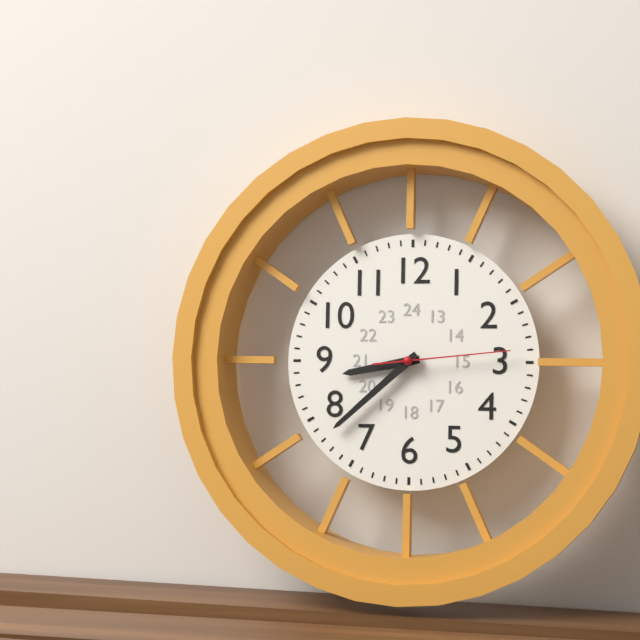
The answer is 8:38:14
